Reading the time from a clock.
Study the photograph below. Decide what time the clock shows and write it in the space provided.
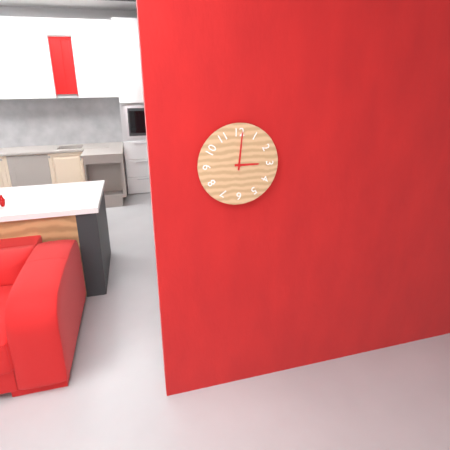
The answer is 3:01
